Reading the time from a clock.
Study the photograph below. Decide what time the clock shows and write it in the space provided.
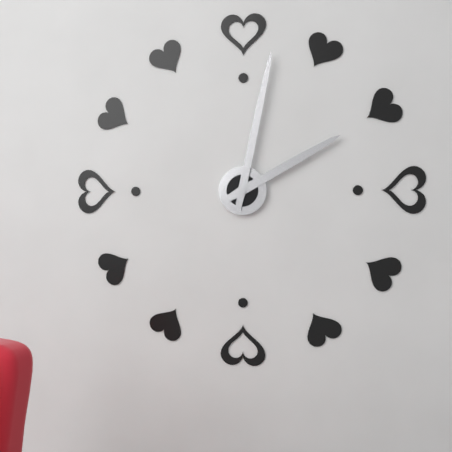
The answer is 2:02
